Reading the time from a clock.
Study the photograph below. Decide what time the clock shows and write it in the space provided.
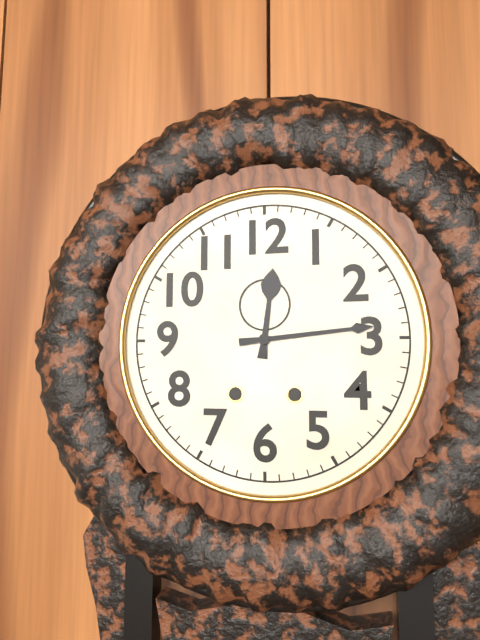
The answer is 12:14
